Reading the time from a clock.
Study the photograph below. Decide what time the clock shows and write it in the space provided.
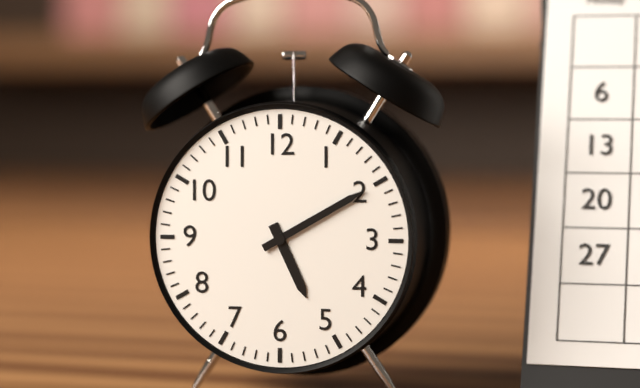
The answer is 5:10
